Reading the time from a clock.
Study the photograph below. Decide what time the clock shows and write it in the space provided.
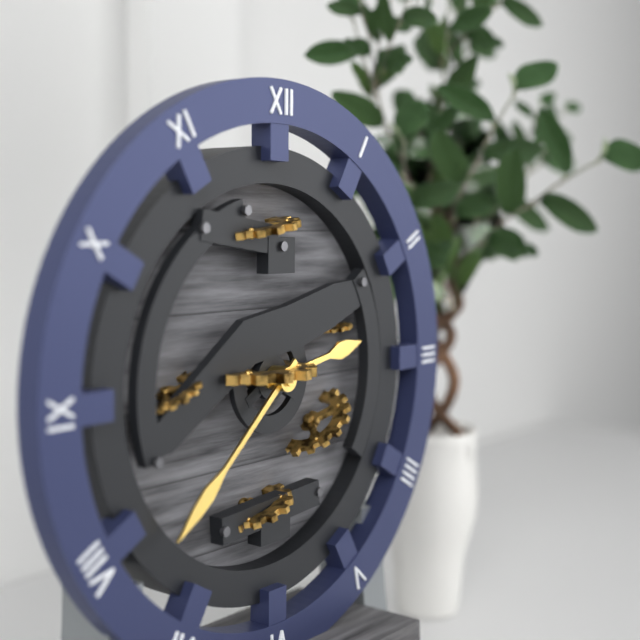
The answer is 2:38
